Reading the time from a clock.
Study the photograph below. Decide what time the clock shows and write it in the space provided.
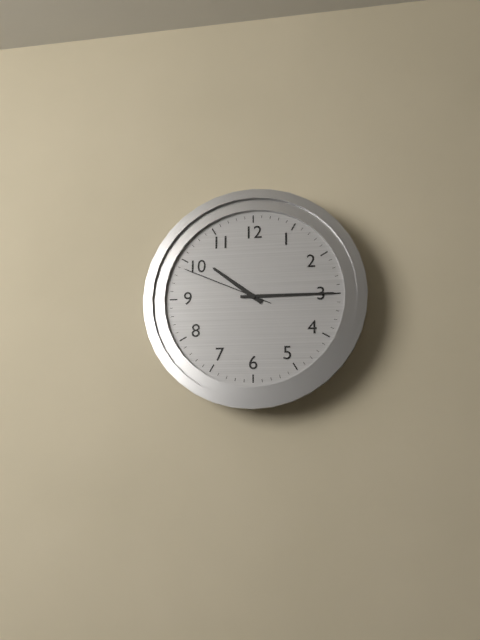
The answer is 10:15:49
